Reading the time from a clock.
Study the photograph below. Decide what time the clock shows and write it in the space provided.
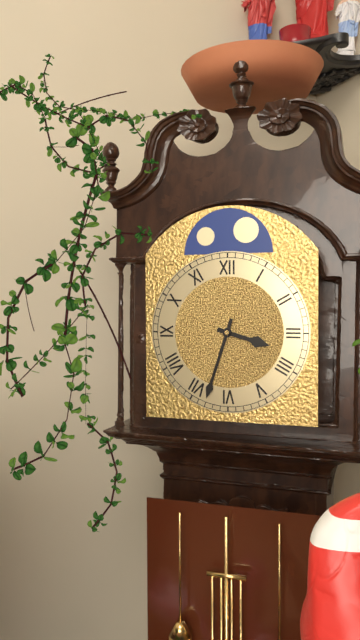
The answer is 3:33
